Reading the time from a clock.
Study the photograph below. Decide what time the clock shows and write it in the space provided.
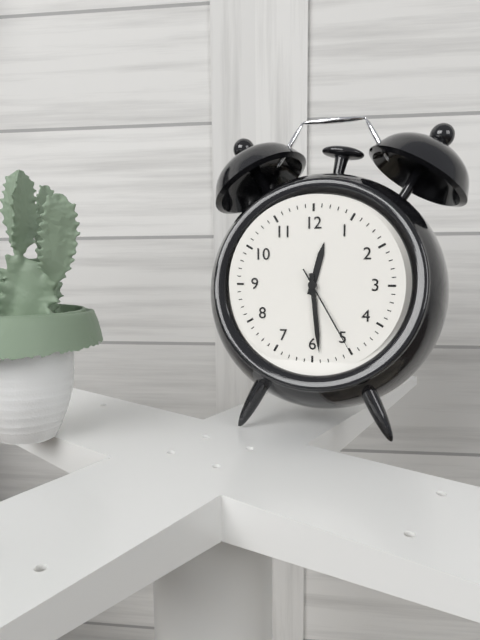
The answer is 12:29:25
